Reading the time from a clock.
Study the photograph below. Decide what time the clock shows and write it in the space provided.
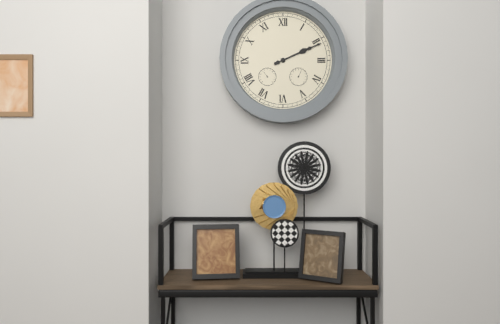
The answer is 2:11
